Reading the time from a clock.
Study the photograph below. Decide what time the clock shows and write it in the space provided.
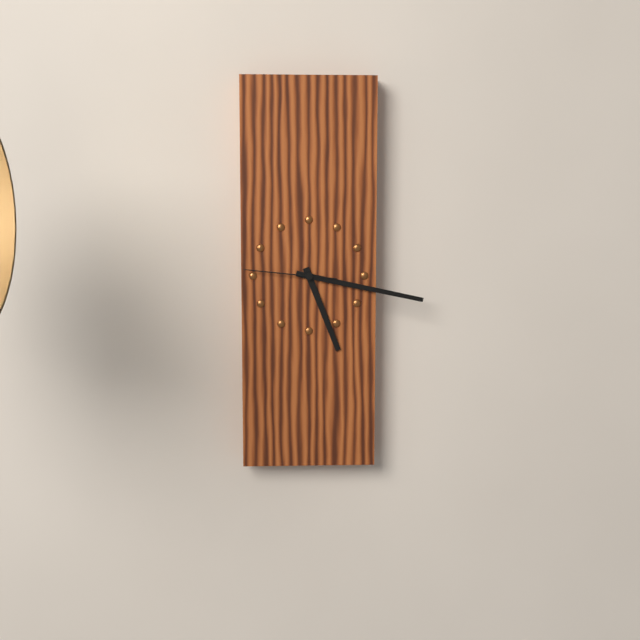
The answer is 5:17:46
